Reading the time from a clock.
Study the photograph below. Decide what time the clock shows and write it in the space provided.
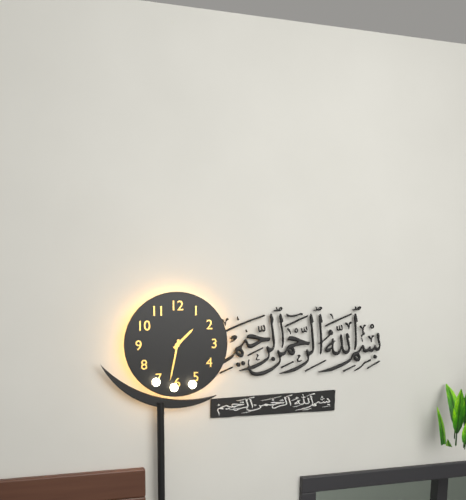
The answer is 1:32
